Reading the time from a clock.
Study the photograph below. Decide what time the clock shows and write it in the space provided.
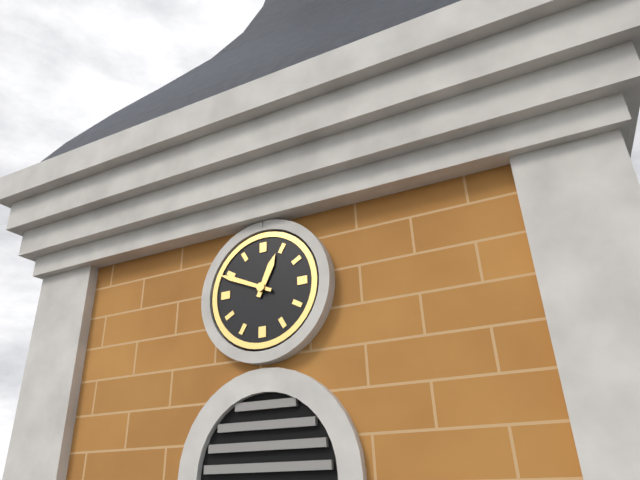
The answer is 12:49
